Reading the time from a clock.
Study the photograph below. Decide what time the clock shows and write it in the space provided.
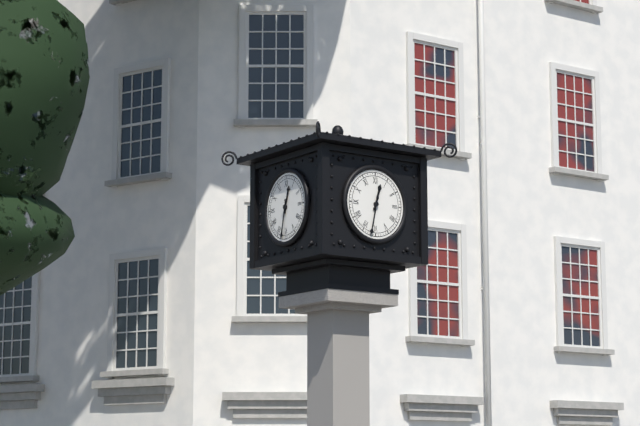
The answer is 12:32
